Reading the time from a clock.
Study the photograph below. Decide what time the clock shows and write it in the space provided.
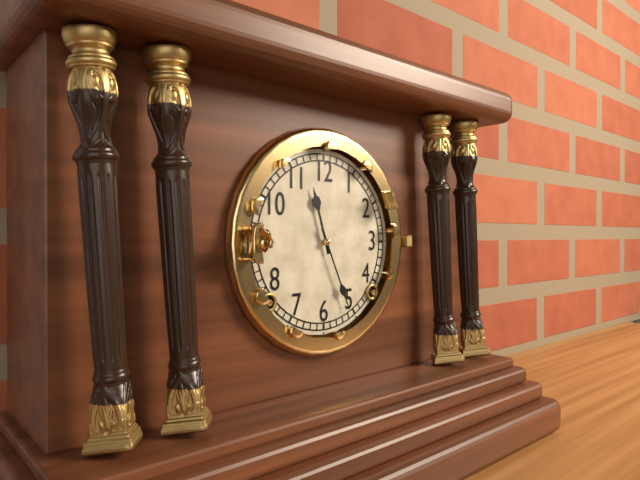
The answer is 11:26
